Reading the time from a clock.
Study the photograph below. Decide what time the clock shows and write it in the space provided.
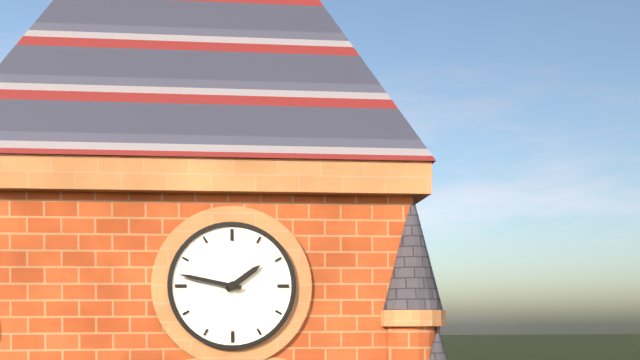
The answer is 1:47
